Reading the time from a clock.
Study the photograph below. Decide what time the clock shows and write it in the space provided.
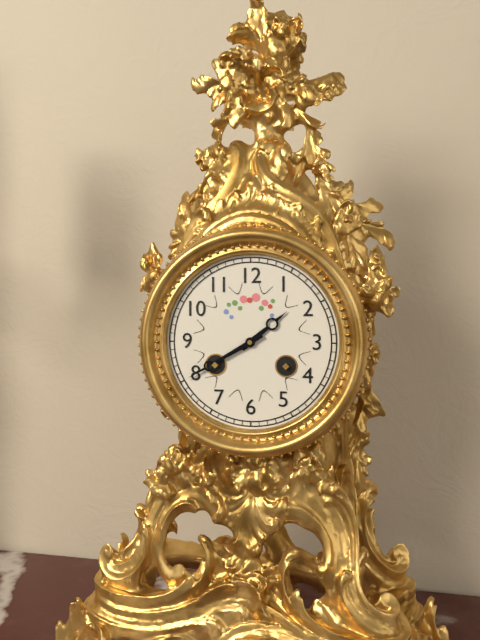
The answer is 1:40
